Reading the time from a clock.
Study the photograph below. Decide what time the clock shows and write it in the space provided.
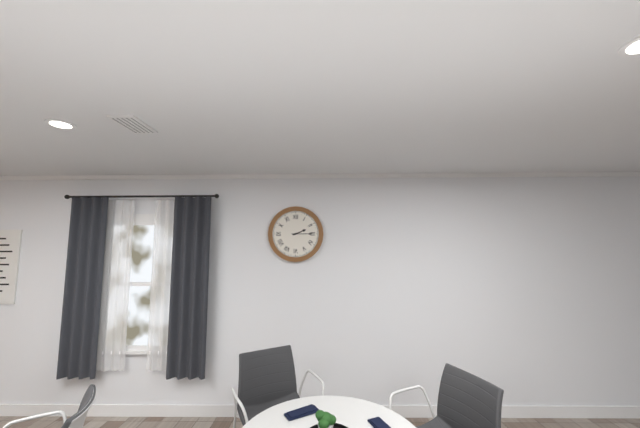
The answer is 2:15
